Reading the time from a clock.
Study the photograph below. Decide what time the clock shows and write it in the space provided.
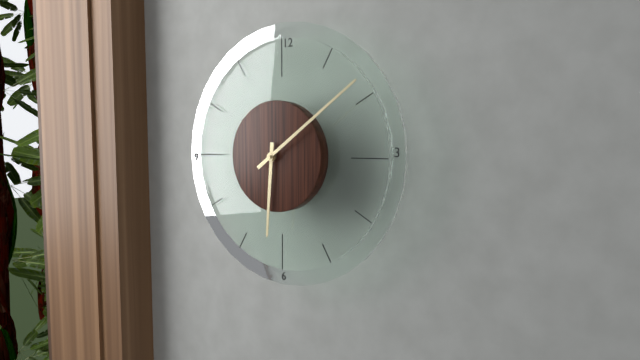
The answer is 6:09
